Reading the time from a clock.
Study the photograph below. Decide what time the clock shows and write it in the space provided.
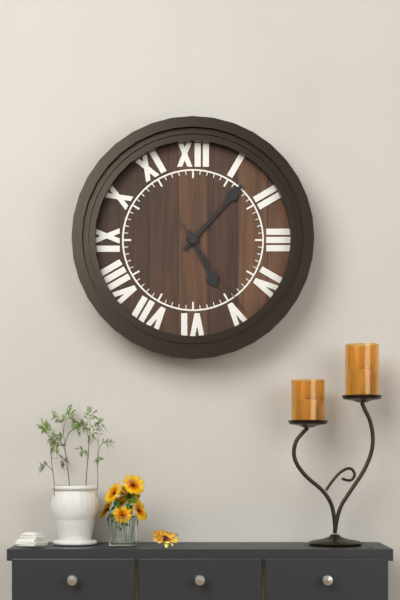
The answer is 5:07:24
